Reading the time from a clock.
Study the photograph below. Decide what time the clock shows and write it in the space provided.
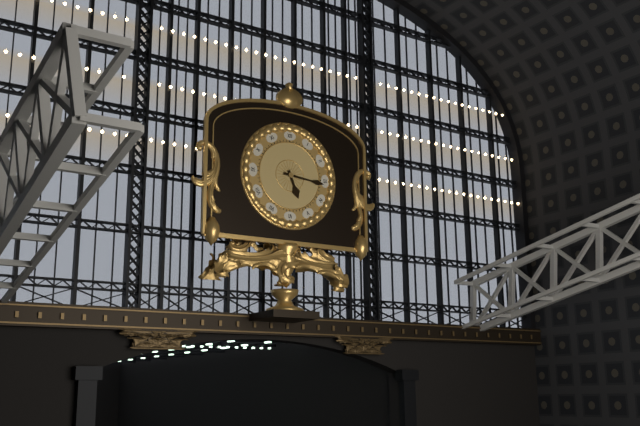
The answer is 5:16
